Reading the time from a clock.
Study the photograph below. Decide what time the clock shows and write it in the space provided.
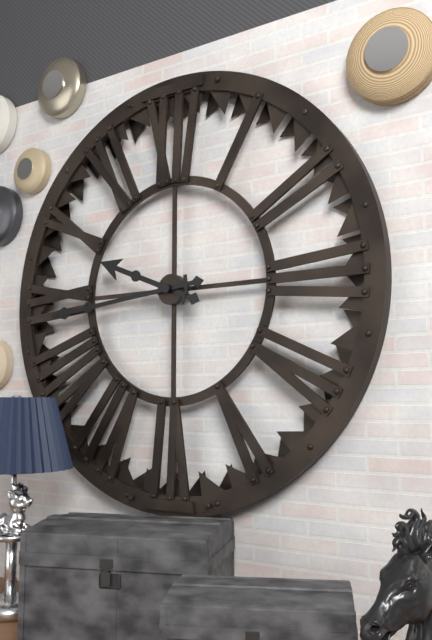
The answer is 9:44
